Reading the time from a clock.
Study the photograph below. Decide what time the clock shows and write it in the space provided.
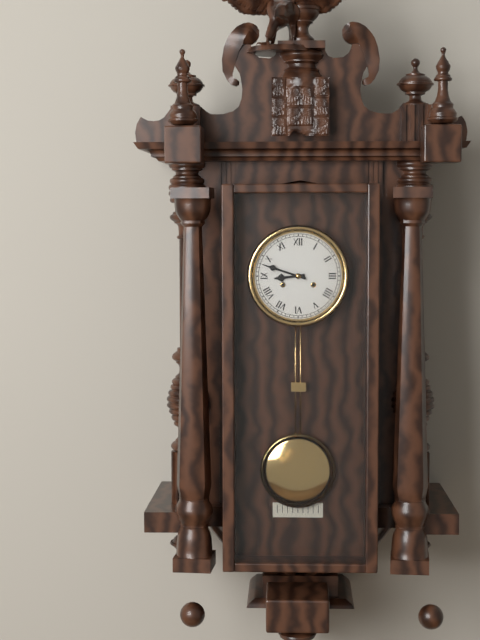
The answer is 8:48
